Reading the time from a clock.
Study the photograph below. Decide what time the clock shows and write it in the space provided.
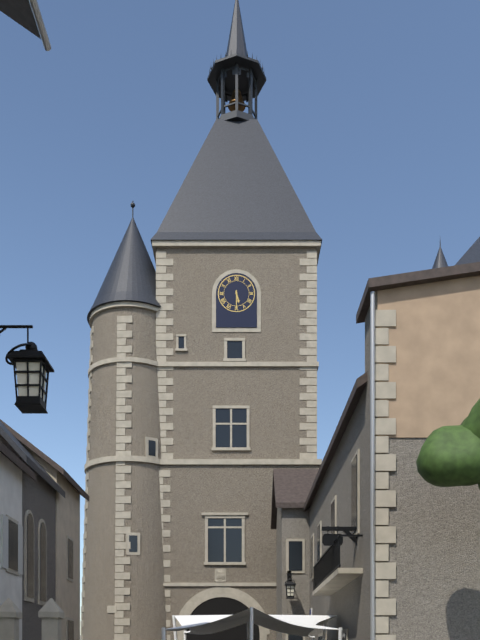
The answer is 5:30
